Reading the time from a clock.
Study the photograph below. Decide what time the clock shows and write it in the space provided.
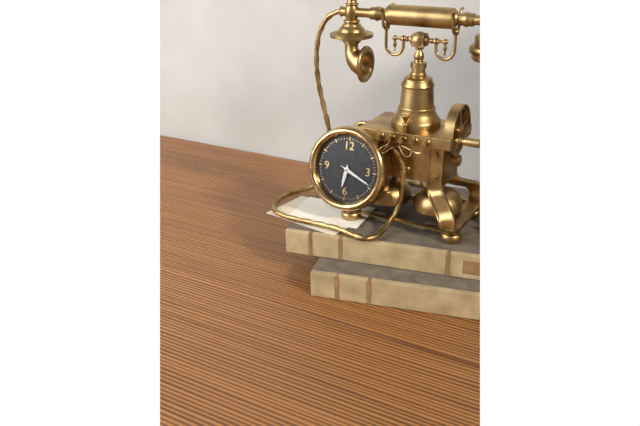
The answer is 6:19
